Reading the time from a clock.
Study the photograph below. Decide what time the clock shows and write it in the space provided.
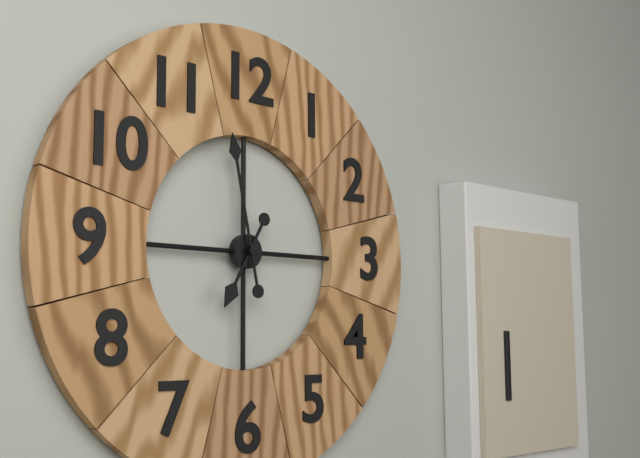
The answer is 6:58
